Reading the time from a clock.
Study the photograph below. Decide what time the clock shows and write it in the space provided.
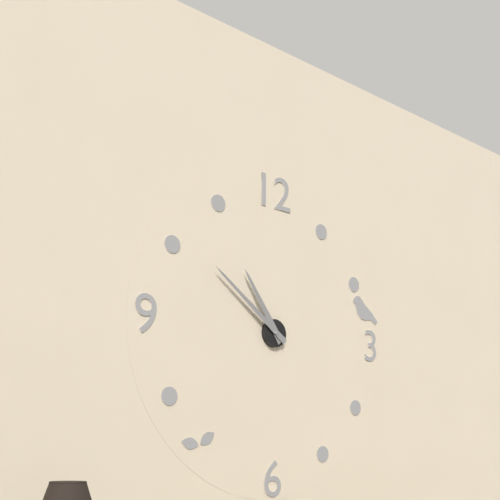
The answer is 10:51
